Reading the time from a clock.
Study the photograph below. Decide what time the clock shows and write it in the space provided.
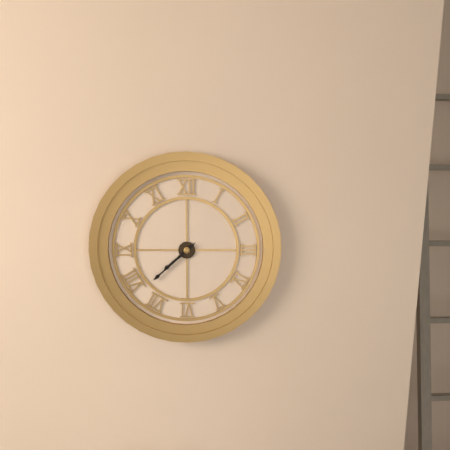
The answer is 7:38
